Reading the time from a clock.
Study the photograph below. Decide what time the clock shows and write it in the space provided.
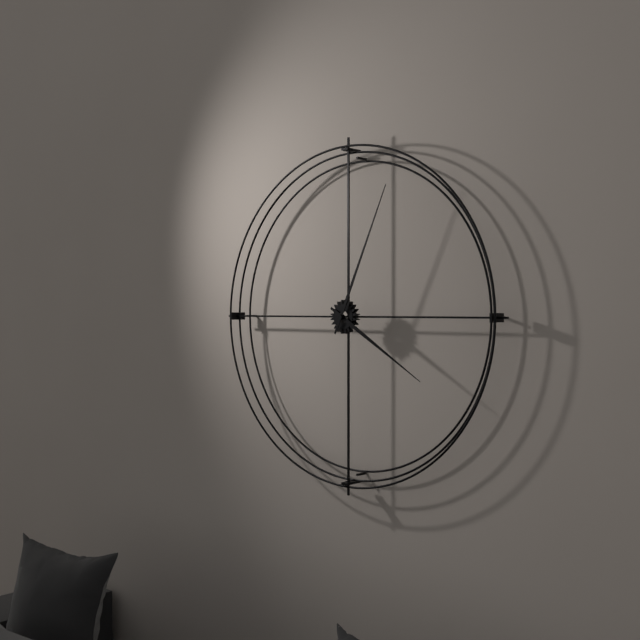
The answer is 4:04
